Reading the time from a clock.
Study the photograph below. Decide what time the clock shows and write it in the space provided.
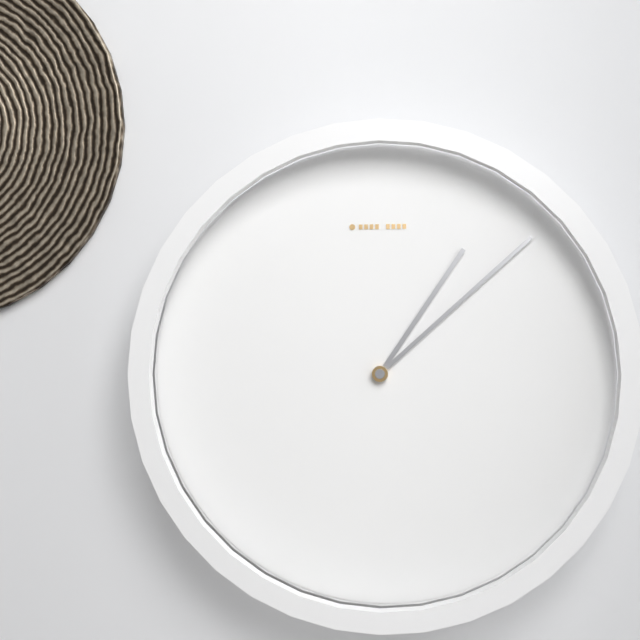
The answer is 1:08
